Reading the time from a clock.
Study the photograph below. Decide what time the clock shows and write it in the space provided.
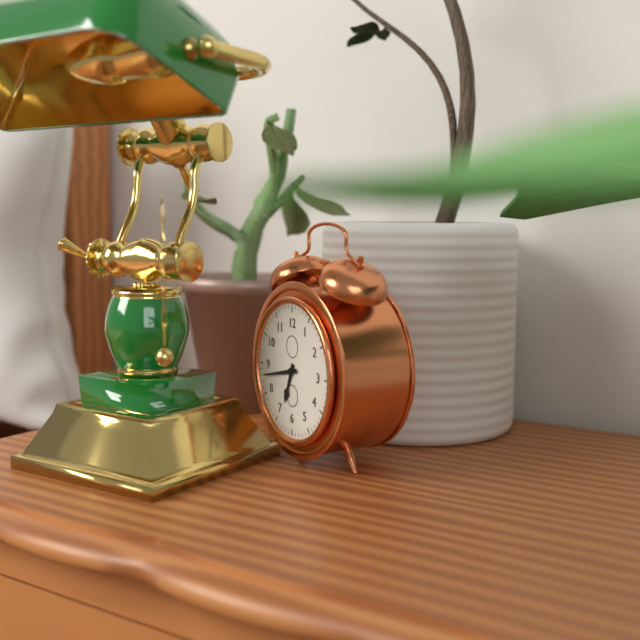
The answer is 6:43
